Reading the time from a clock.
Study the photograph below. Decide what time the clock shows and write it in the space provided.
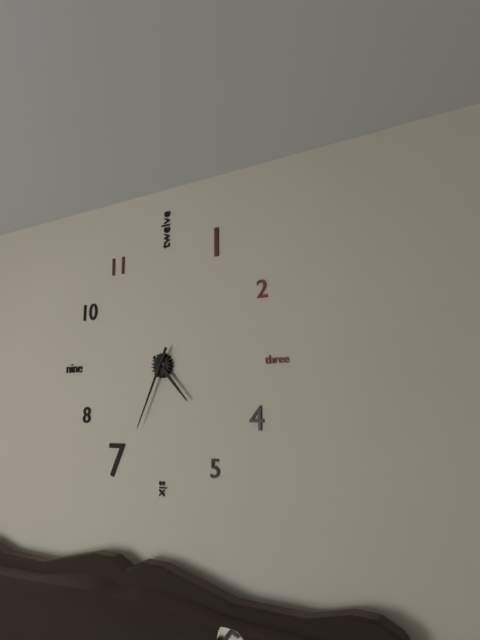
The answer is 4:34
